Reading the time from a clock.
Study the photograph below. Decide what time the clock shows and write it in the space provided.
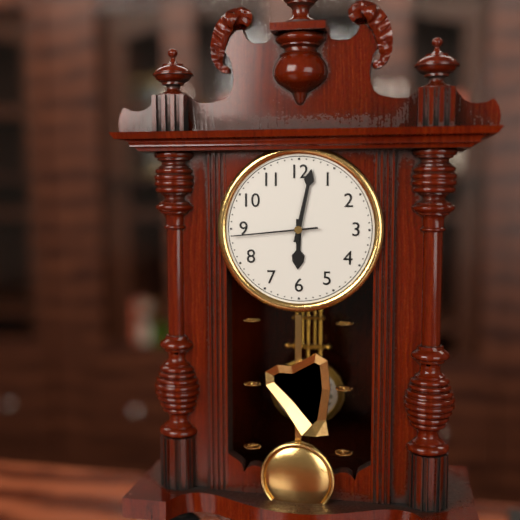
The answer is 6:02:44
